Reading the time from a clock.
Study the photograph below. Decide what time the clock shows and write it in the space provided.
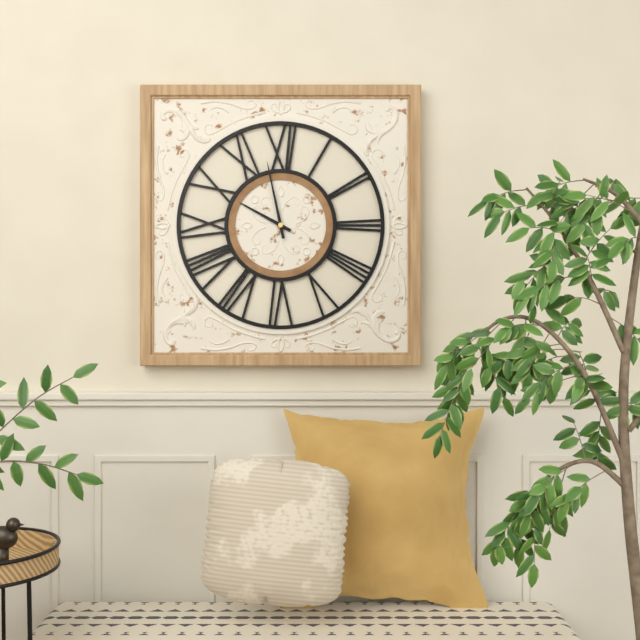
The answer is 9:58
